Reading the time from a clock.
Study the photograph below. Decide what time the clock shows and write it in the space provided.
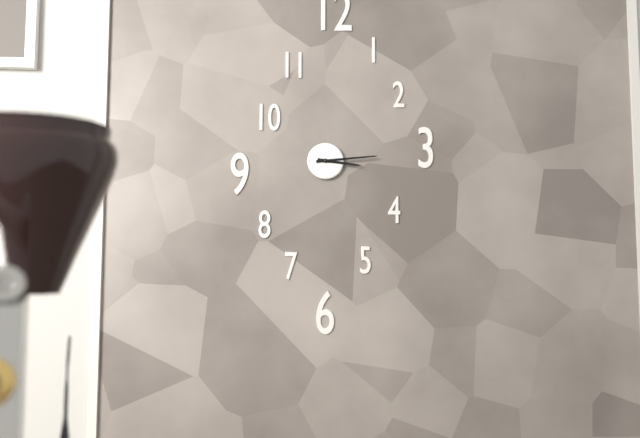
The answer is 3:14
